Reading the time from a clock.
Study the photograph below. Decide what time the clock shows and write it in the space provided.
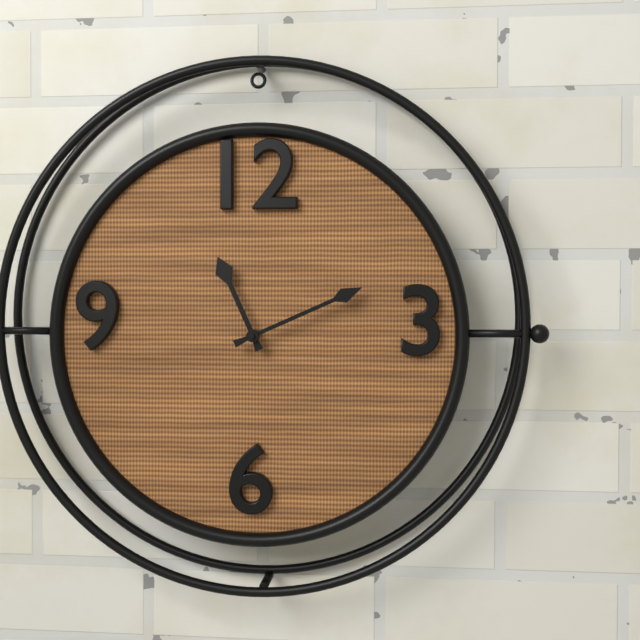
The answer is 11:11
